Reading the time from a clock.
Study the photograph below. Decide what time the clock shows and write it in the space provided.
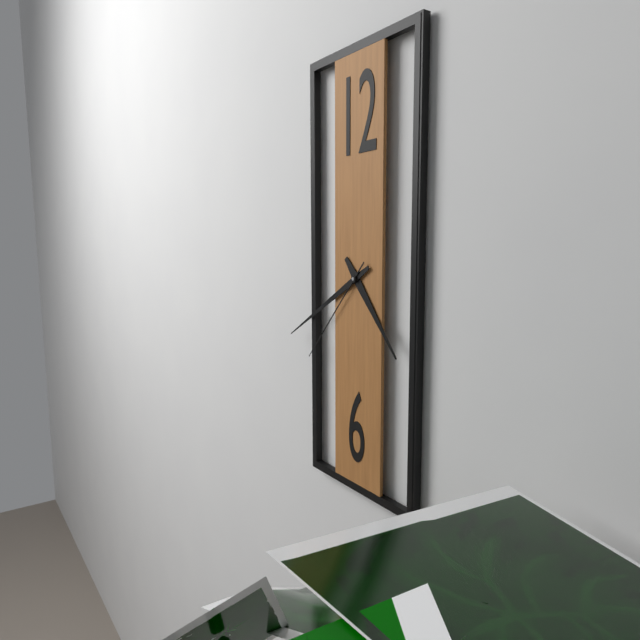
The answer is 4:40:37
